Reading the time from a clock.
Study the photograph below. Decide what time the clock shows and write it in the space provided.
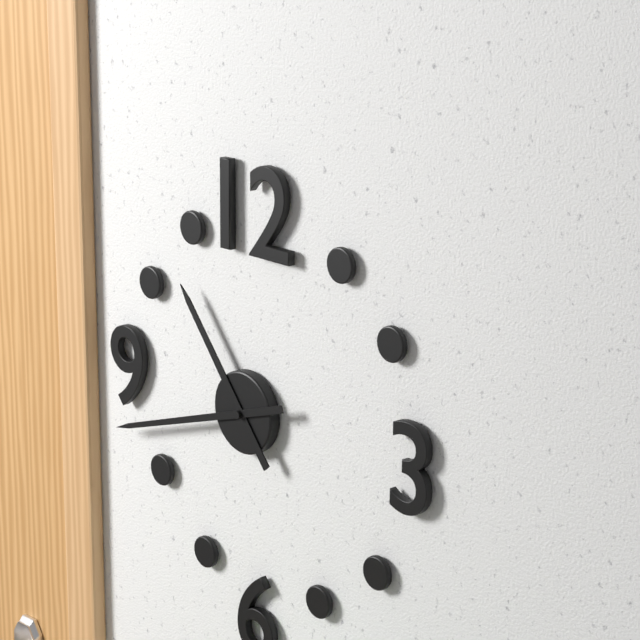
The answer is 10:42
